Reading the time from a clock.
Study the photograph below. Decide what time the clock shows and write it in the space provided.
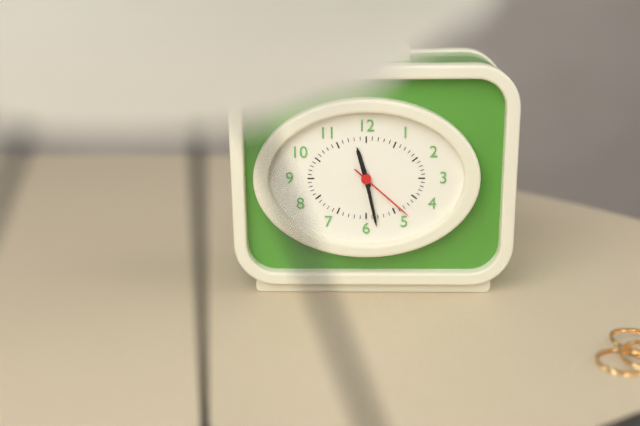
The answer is 11:28:22
